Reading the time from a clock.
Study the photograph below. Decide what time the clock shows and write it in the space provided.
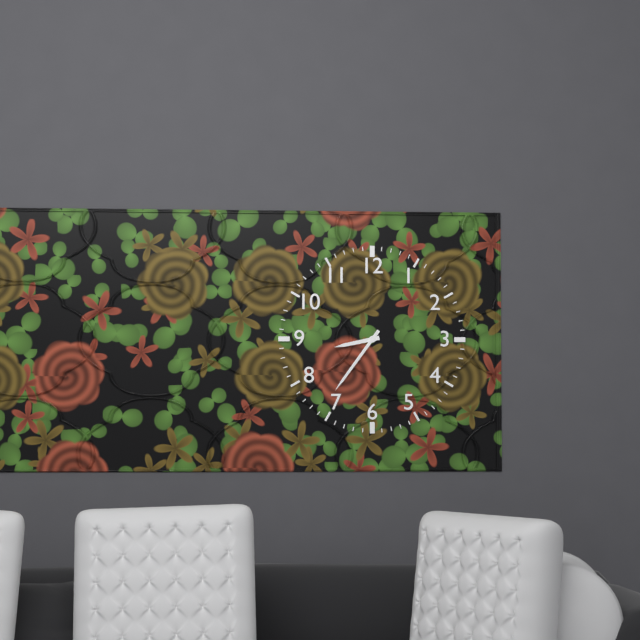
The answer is 8:36
